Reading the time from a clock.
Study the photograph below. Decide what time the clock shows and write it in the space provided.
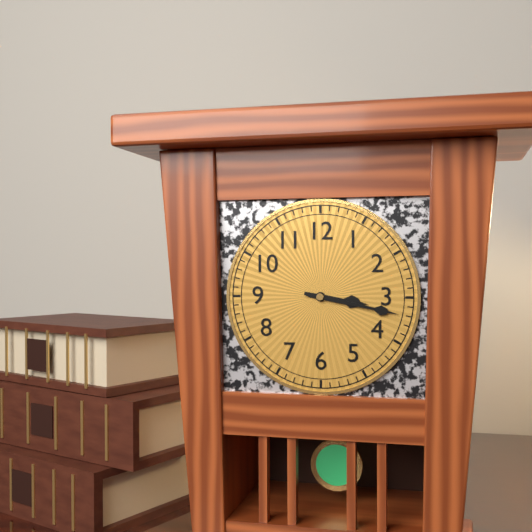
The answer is 3:17
